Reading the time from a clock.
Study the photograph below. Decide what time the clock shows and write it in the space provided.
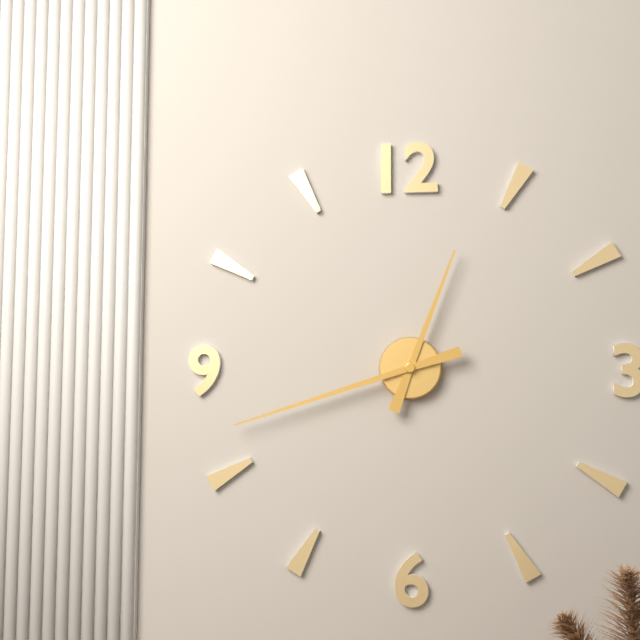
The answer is 12:42
